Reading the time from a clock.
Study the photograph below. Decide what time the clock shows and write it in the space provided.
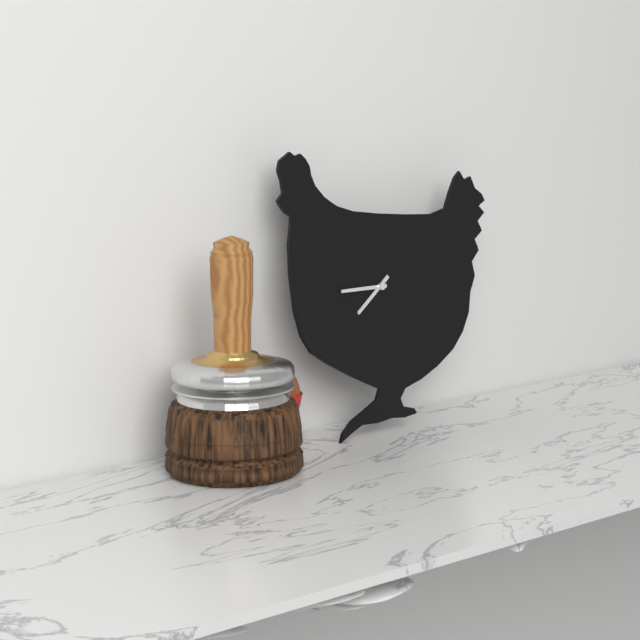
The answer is 7:45
